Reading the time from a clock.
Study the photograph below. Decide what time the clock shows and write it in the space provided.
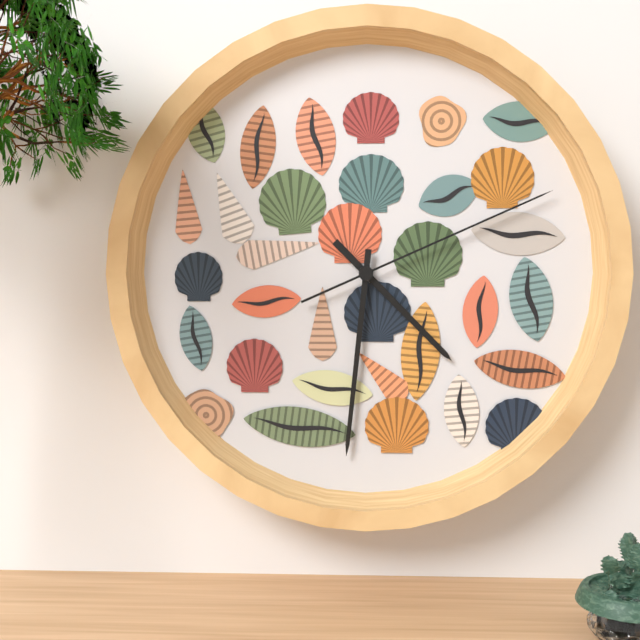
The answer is 4:31:11
